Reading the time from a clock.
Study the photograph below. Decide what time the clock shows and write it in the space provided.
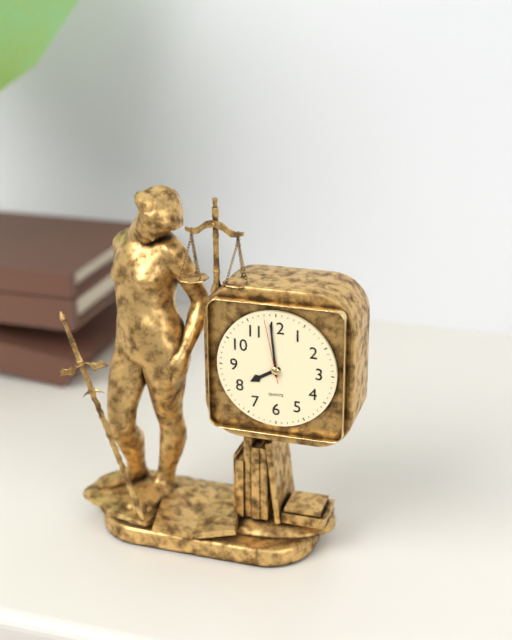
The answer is 7:59:58
